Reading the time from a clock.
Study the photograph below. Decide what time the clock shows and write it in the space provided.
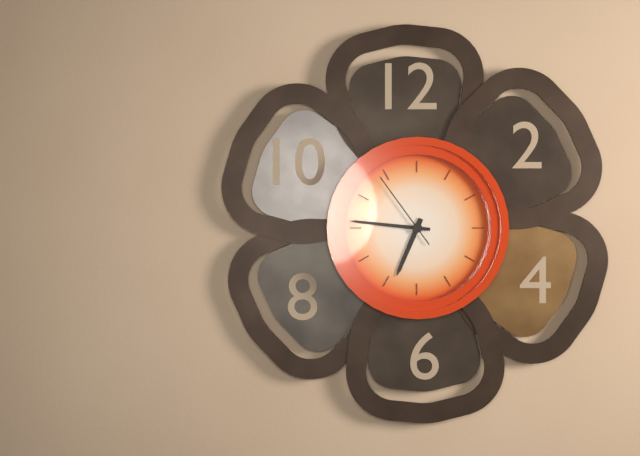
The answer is 6:46:54
